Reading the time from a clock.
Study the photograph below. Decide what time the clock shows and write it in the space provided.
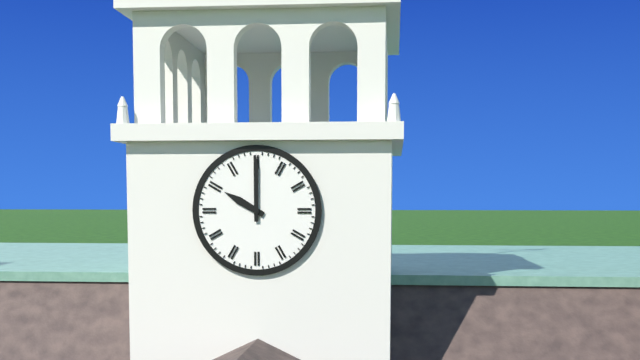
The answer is 10:00
